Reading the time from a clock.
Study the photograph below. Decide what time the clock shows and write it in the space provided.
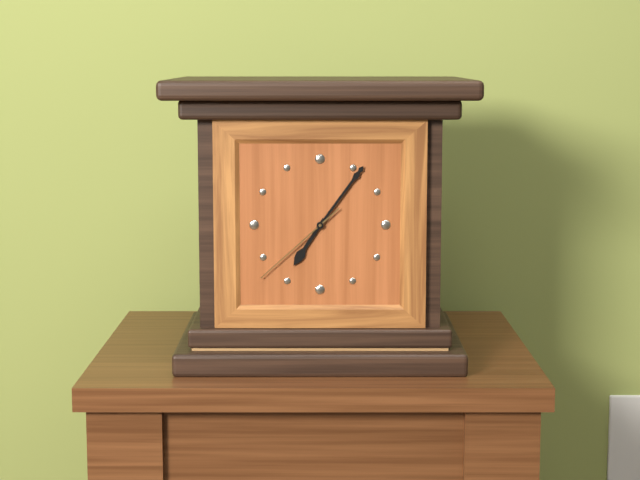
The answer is 7:06:38
